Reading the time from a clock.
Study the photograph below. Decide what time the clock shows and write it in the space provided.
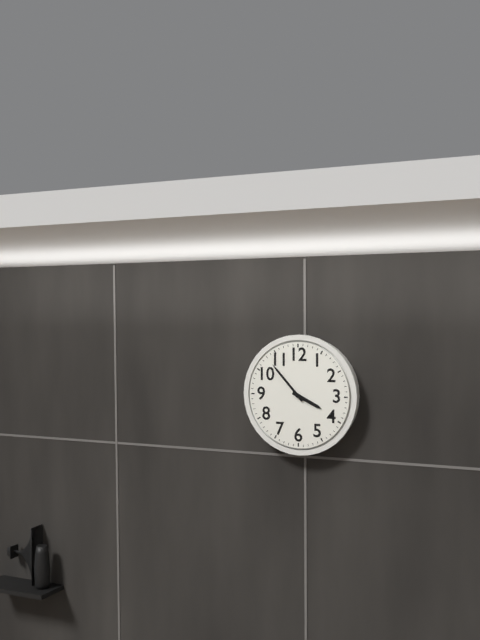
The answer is 3:53
